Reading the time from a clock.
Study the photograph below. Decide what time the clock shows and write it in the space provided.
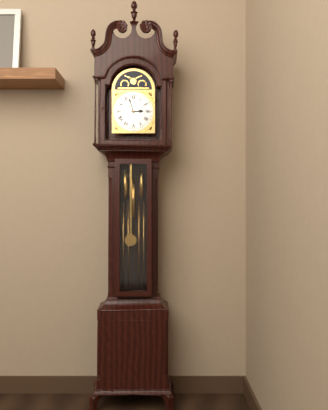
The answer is 2:57
